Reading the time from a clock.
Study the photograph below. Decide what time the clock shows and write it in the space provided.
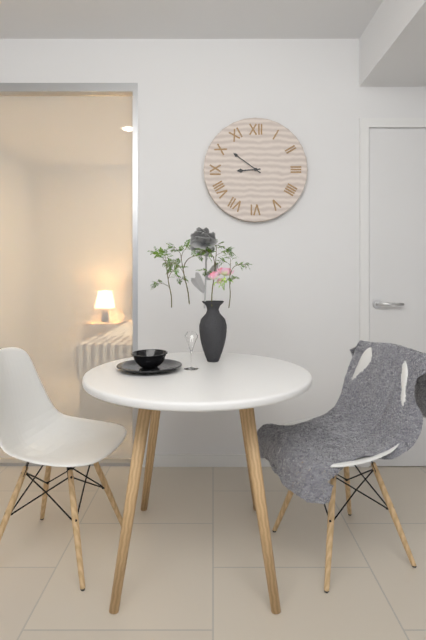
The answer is 8:51
